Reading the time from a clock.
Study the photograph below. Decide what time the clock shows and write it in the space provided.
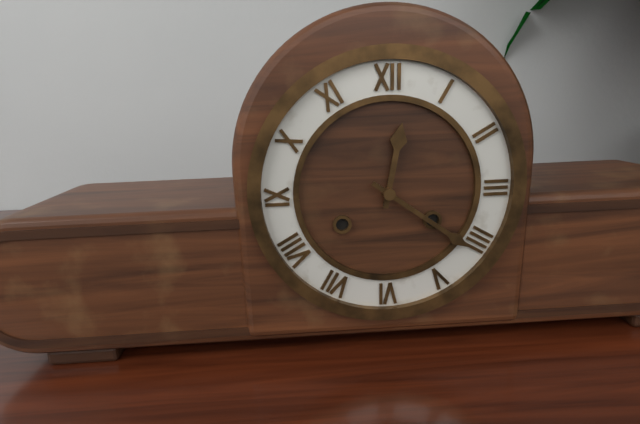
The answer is 12:21
